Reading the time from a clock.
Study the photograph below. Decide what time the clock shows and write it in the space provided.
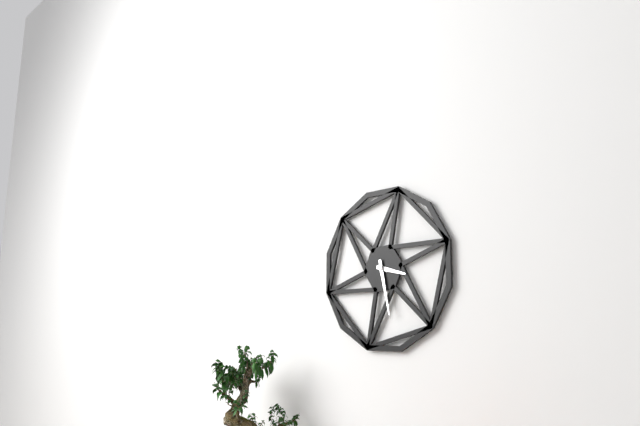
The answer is 3:28
